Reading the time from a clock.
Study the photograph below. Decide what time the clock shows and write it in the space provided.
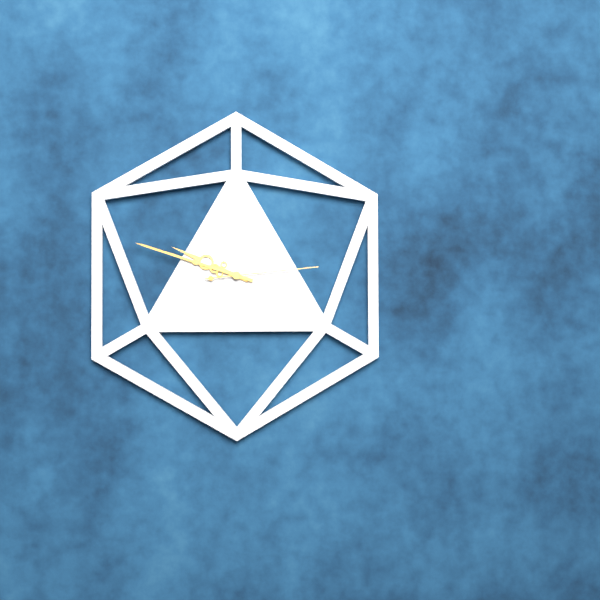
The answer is 9:48:14
